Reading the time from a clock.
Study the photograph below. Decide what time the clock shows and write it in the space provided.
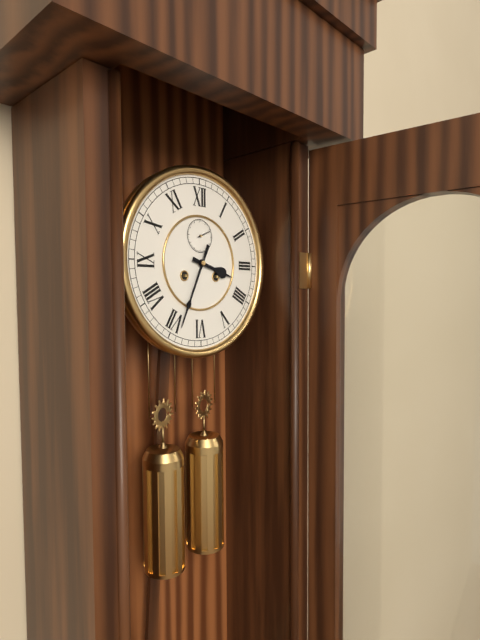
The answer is 3:34
